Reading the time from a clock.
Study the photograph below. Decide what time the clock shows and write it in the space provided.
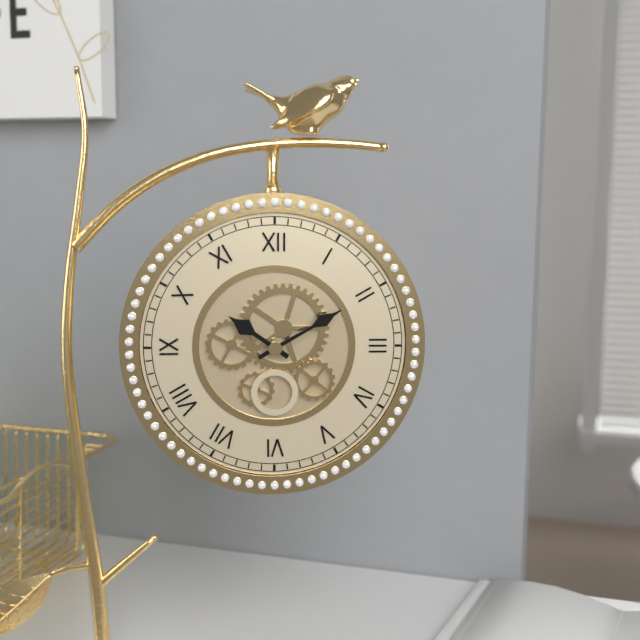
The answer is 10:10
